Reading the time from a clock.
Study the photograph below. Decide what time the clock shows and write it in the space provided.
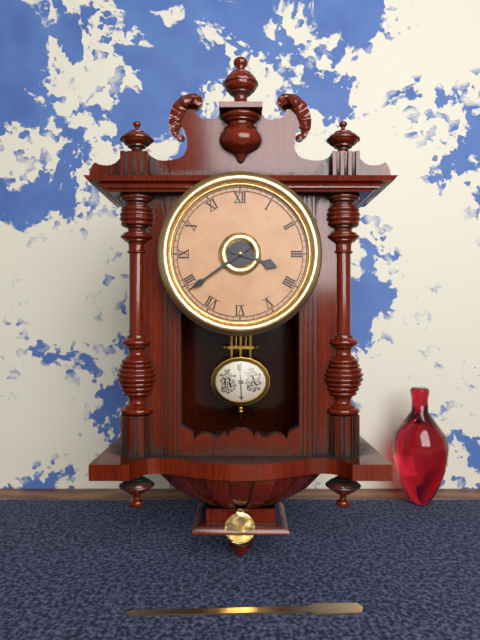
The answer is 3:39
